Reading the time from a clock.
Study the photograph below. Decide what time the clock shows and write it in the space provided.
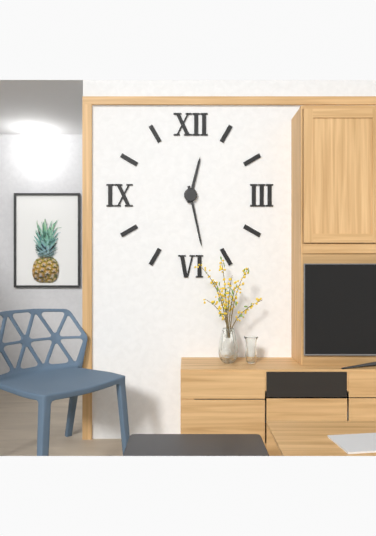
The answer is 12:28
